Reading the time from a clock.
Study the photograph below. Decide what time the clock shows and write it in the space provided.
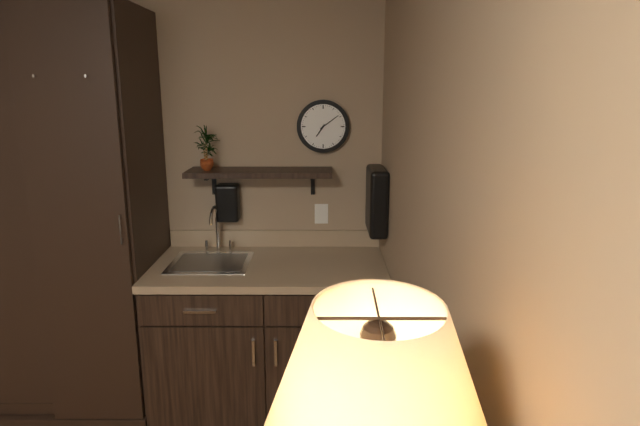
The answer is 7:09
